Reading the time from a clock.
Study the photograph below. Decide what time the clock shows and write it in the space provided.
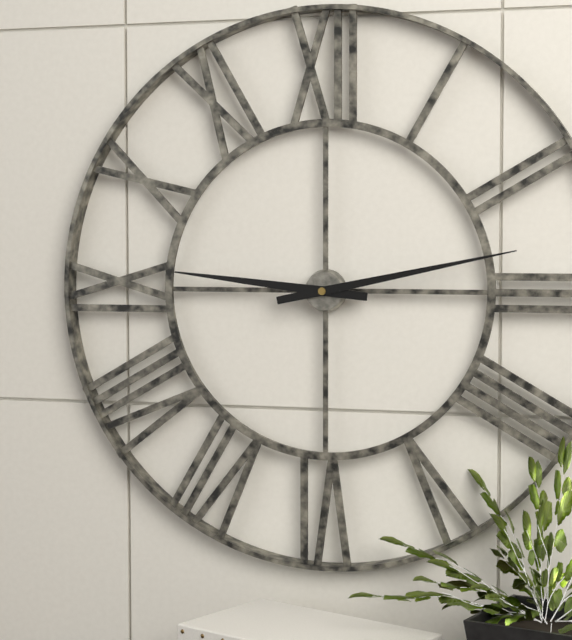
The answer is 9:13
